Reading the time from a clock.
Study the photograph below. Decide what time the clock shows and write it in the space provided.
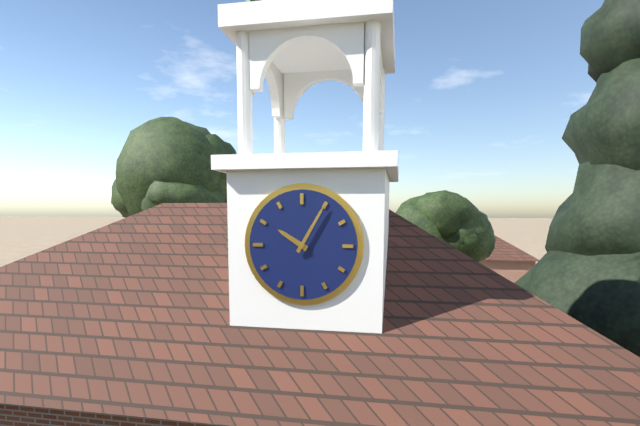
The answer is 10:05
